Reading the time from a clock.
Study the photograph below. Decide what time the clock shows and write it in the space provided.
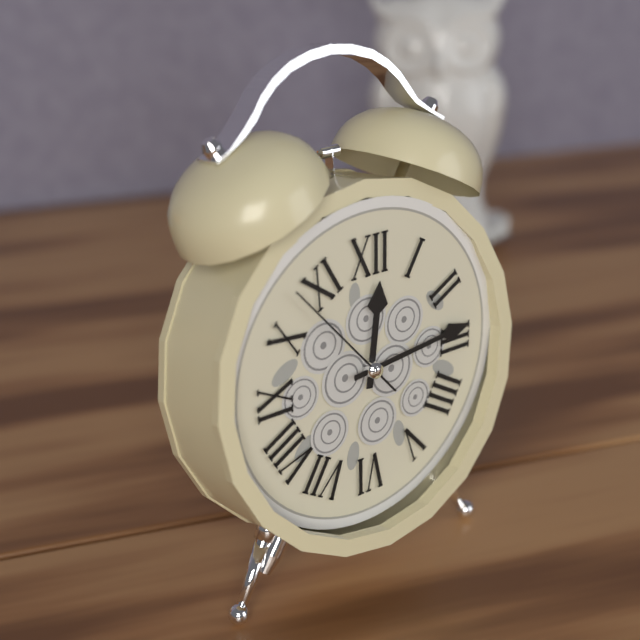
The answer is 12:14:53
